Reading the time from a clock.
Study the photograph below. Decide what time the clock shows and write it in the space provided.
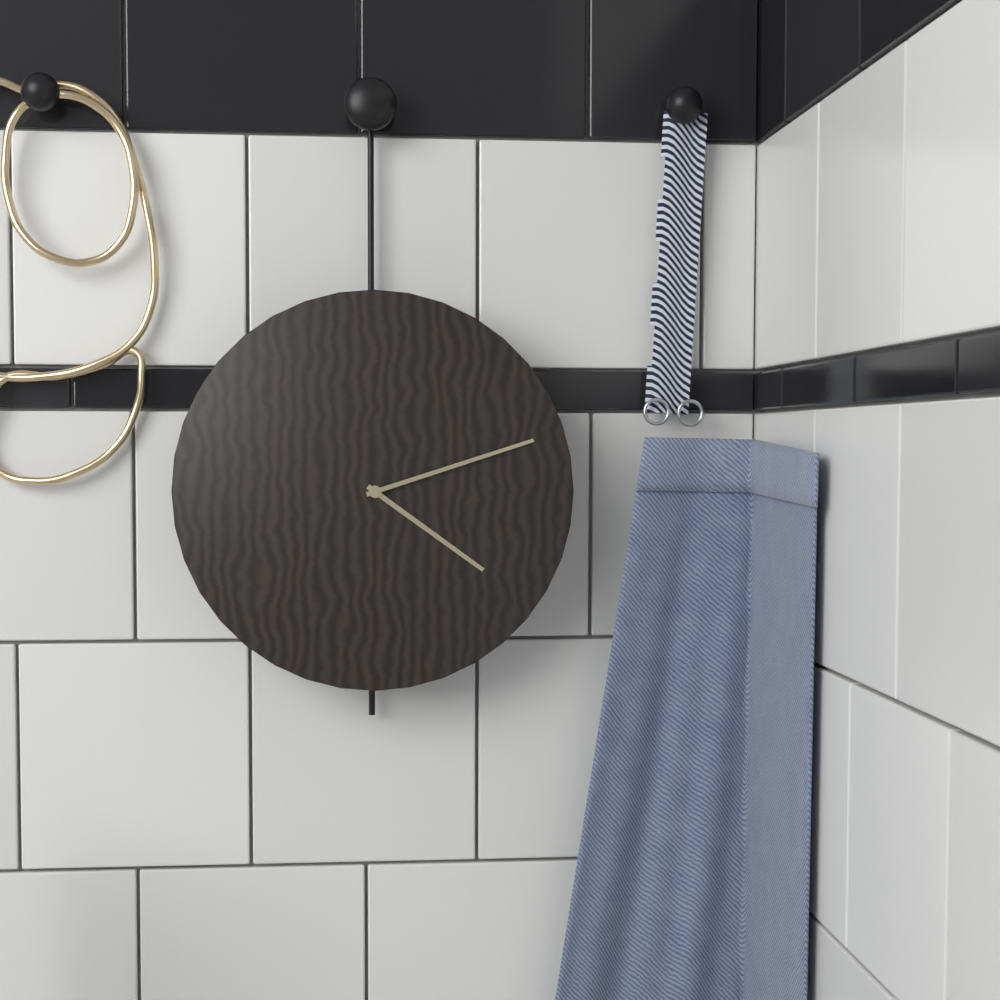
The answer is 4:12
